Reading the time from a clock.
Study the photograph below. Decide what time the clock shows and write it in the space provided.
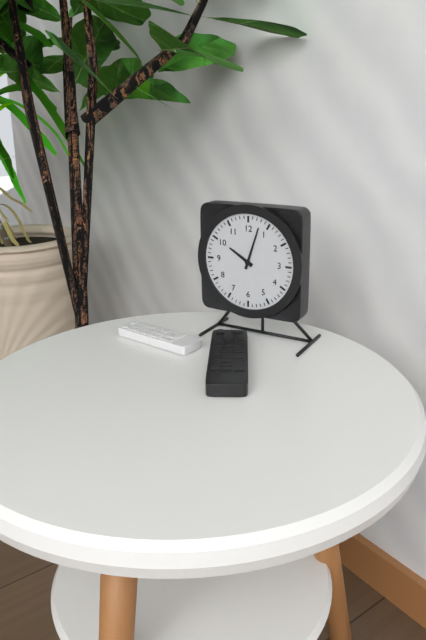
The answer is 10:03
